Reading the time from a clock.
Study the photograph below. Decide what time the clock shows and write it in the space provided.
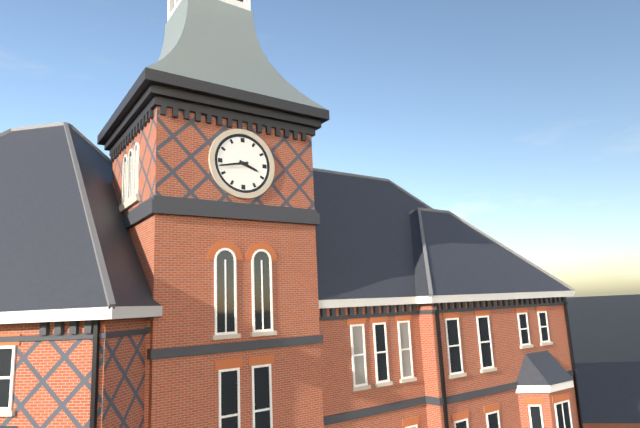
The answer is 3:43
